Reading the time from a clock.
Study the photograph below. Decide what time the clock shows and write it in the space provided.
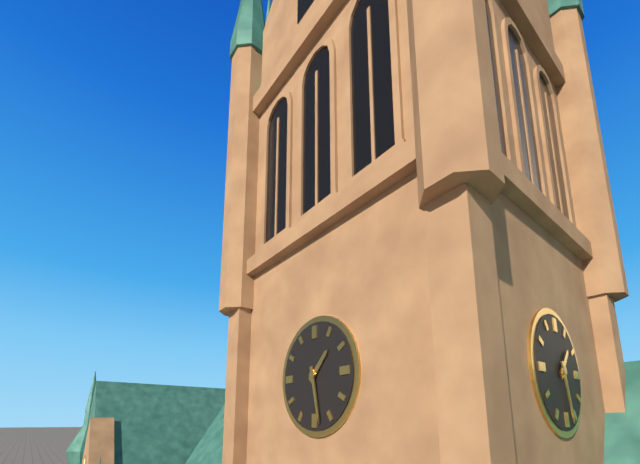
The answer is 1:28
